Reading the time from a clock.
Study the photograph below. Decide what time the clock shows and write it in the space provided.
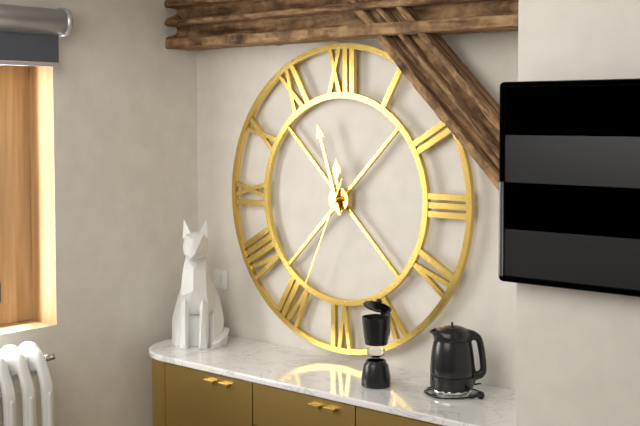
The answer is 11:57:34
